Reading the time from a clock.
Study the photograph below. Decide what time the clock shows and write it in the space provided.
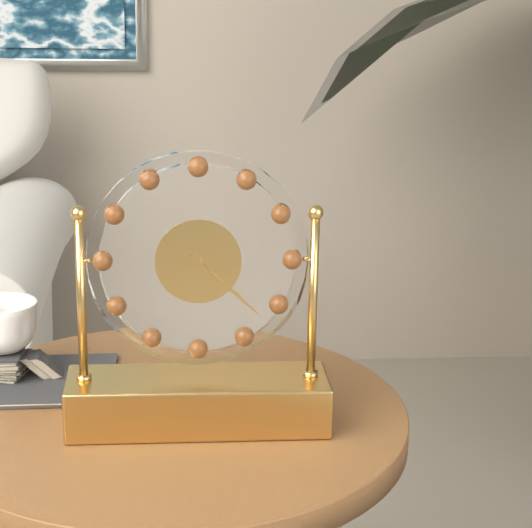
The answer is 4:22
